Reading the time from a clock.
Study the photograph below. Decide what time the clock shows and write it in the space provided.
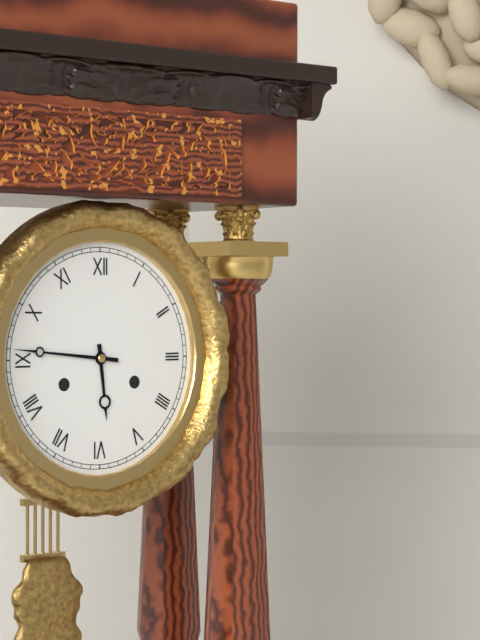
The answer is 5:46
